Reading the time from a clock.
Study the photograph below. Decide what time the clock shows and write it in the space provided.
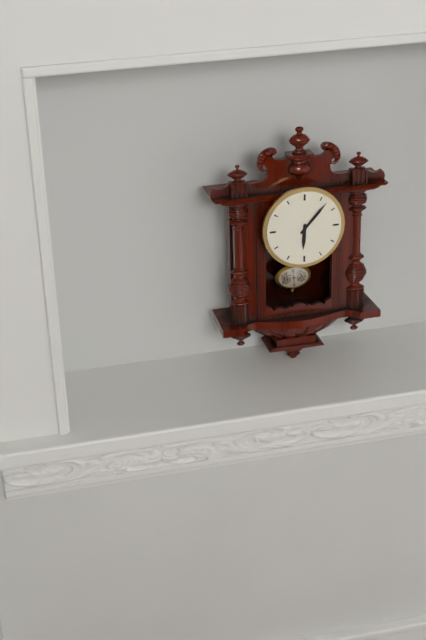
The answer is 6:07
